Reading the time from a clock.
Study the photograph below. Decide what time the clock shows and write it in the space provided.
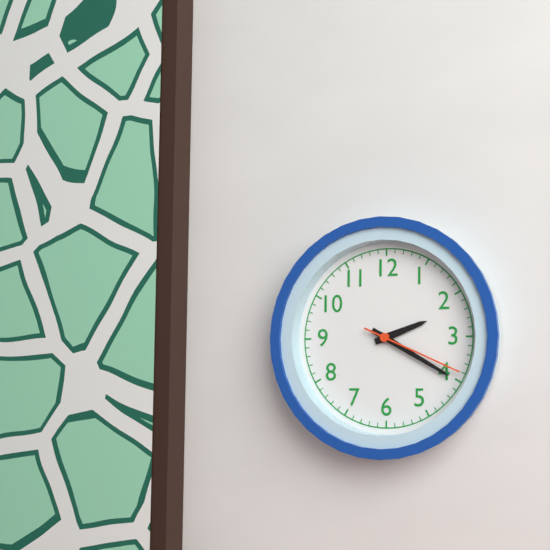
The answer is 2:20:19
